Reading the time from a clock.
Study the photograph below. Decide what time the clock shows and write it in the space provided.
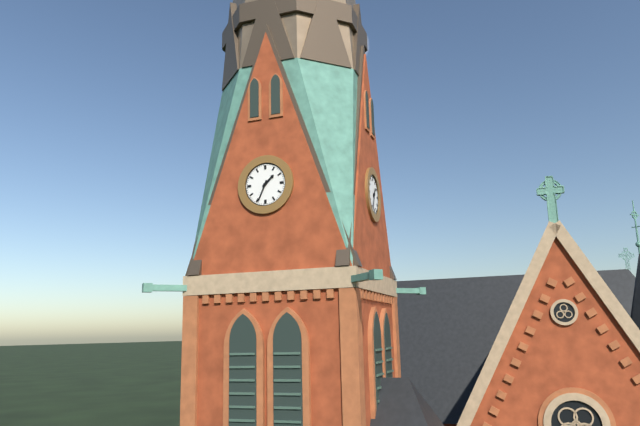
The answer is 1:34
